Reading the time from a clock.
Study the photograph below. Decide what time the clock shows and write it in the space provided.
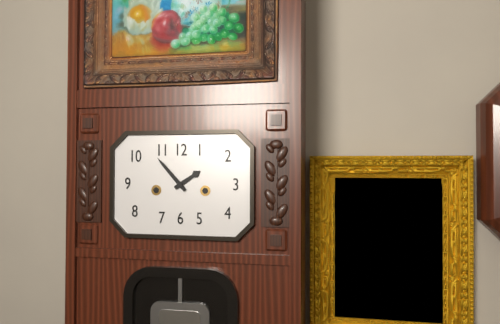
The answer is 1:53
